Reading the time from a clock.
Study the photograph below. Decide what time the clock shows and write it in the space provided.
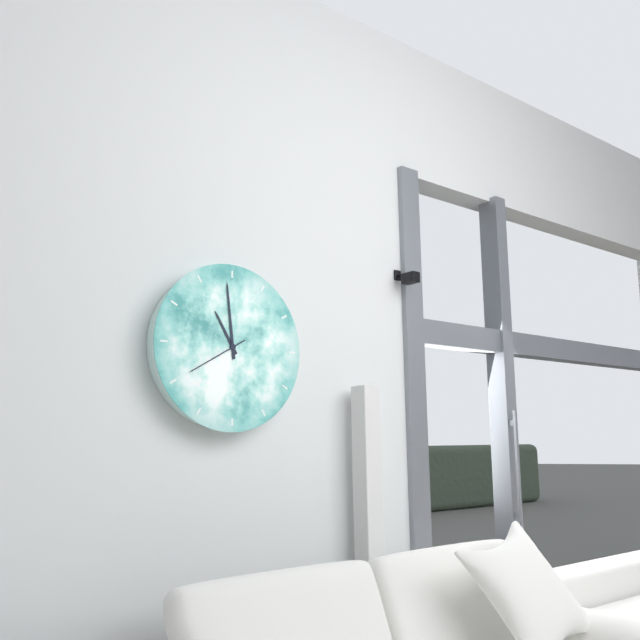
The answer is 10:59:40
